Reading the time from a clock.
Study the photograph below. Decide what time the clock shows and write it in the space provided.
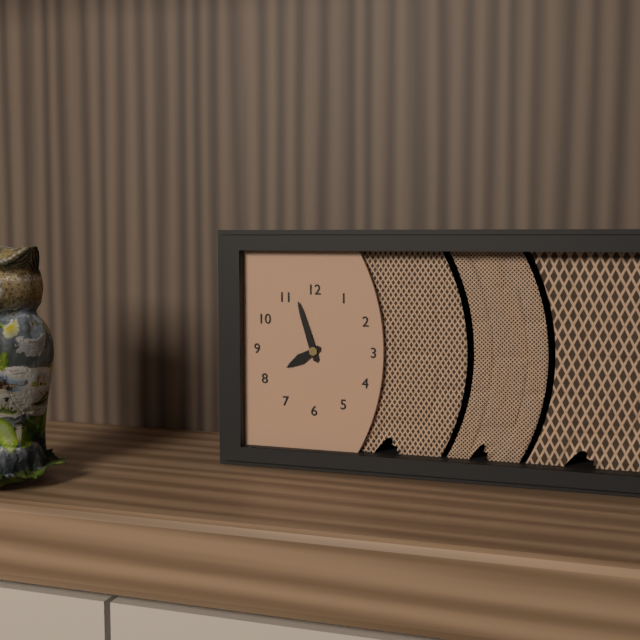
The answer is 7:57
